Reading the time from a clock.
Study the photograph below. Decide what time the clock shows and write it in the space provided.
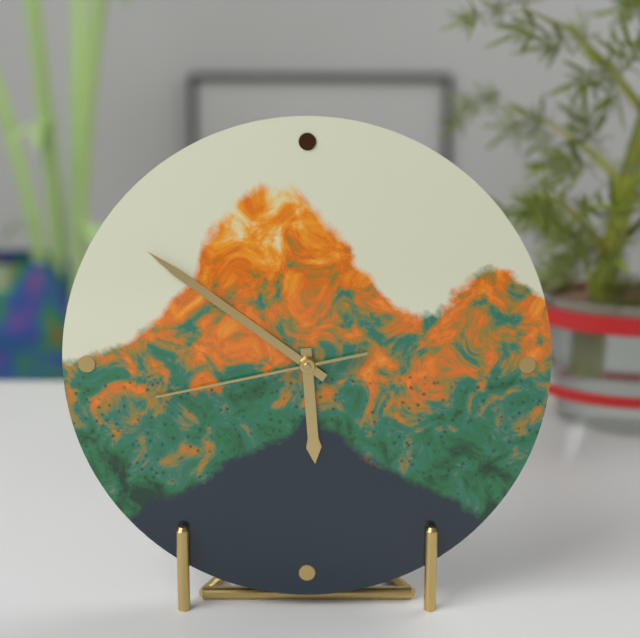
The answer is 5:51:43
